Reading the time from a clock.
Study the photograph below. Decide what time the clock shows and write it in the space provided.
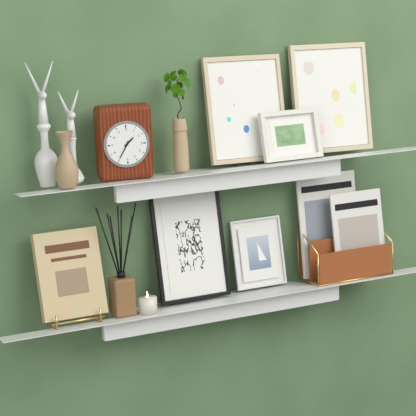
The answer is 1:35
